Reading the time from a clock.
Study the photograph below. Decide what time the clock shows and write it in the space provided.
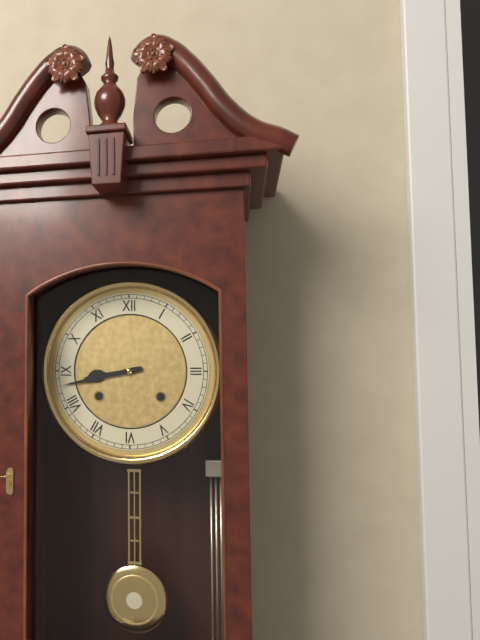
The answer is 8:43
